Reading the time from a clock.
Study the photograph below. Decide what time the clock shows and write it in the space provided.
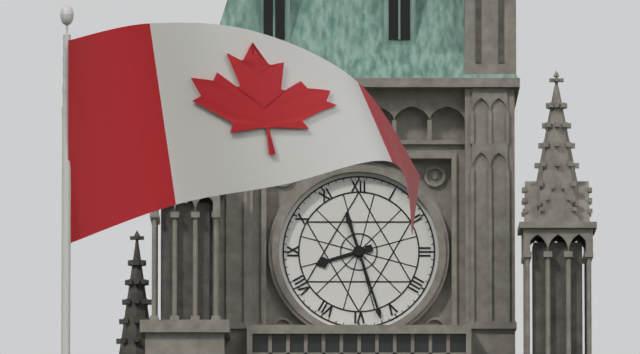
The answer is 8:27
